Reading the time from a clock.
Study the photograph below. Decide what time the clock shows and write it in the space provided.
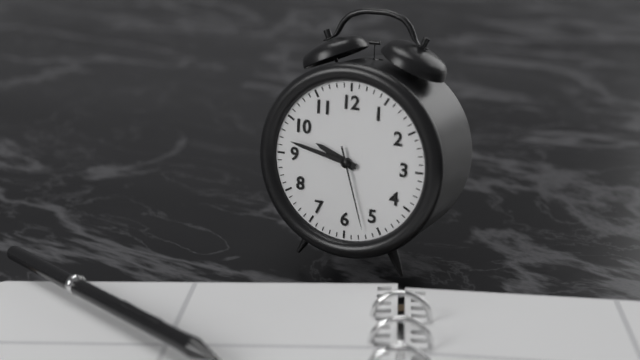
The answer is 9:47:27
